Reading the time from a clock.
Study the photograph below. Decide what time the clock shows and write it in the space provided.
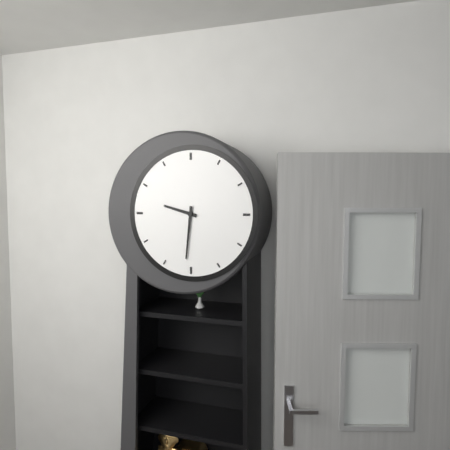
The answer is 9:31
